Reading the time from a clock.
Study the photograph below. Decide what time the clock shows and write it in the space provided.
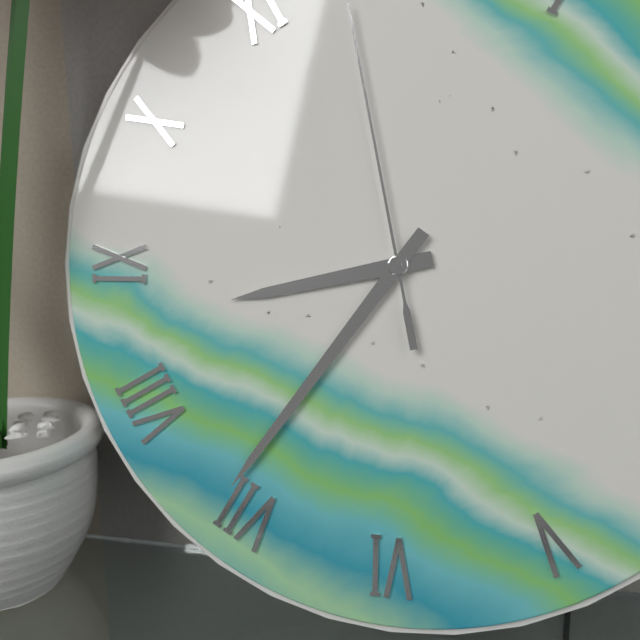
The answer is 8:36:58
